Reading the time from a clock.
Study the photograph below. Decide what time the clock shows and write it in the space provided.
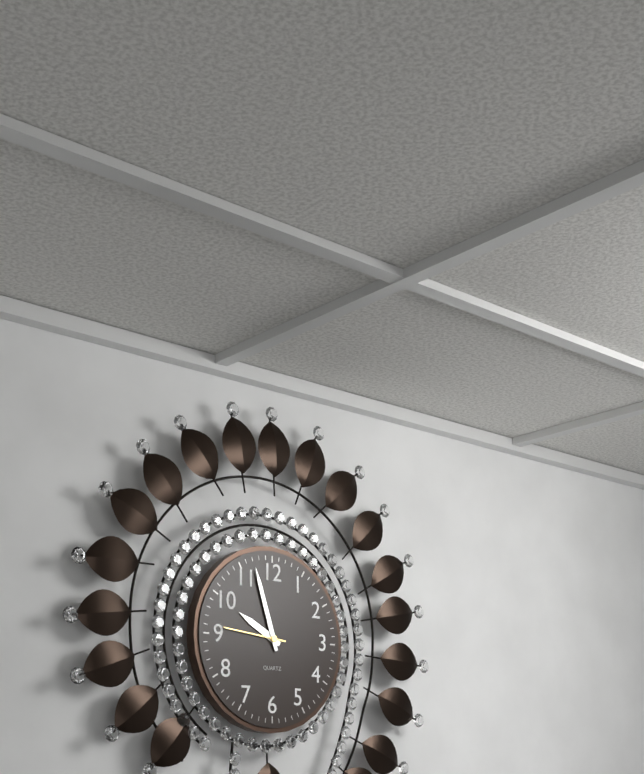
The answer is 9:57:46
